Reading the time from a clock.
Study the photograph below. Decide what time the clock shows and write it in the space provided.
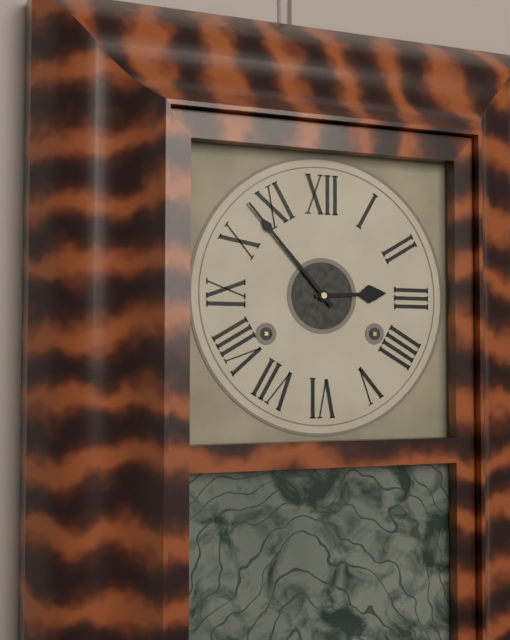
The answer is 2:53
